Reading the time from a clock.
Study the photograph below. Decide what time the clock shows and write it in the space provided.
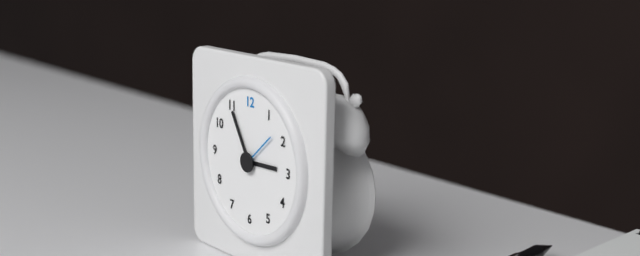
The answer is 2:55
